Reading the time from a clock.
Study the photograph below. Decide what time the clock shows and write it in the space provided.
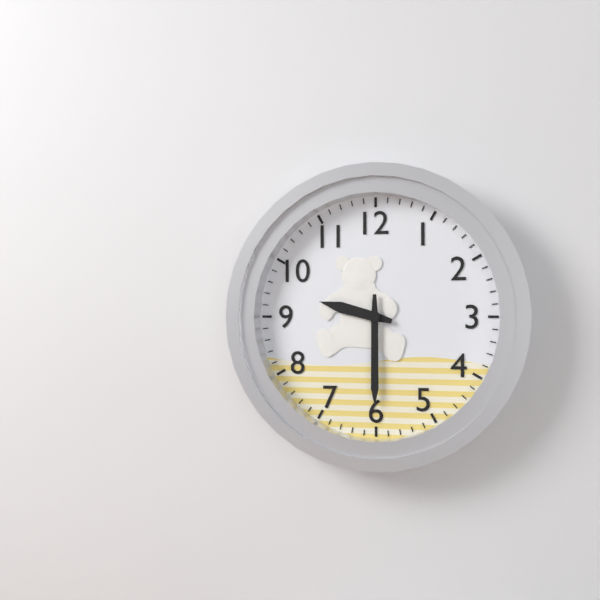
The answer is 9:30
